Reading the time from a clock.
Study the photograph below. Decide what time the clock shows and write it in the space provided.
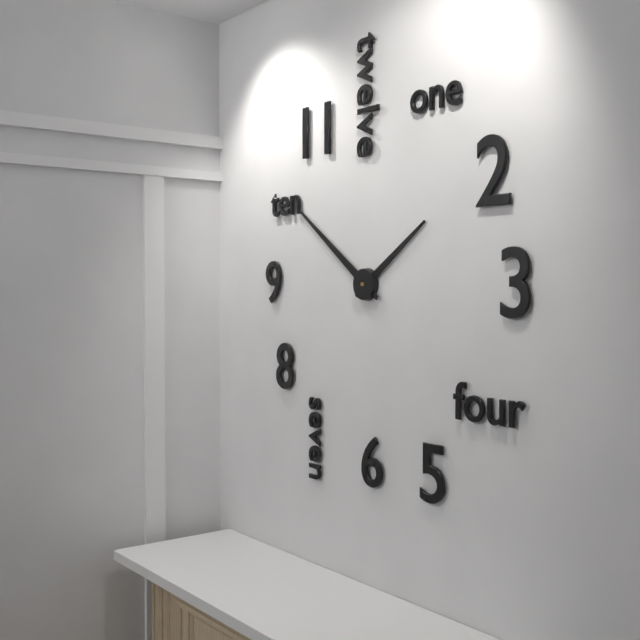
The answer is 1:51
